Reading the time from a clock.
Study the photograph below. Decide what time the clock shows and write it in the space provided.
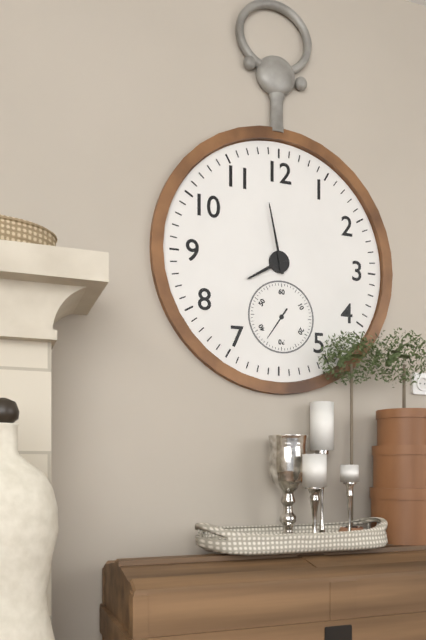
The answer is 7:58
